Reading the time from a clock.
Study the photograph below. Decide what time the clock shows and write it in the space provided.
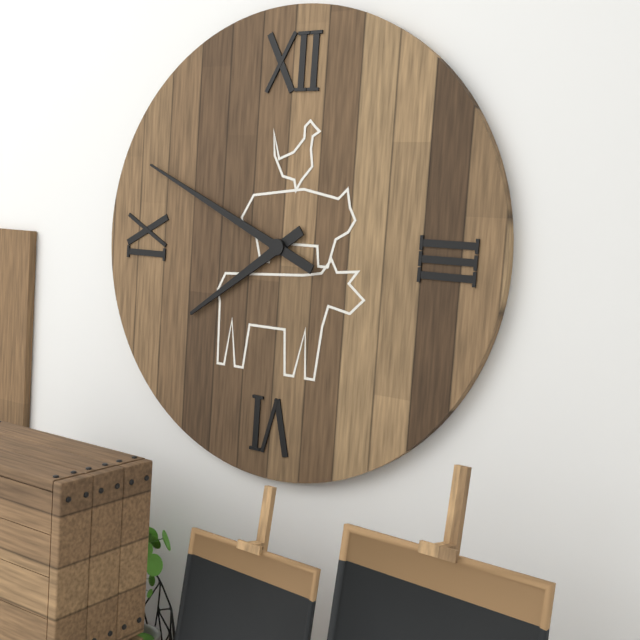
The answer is 7:49
